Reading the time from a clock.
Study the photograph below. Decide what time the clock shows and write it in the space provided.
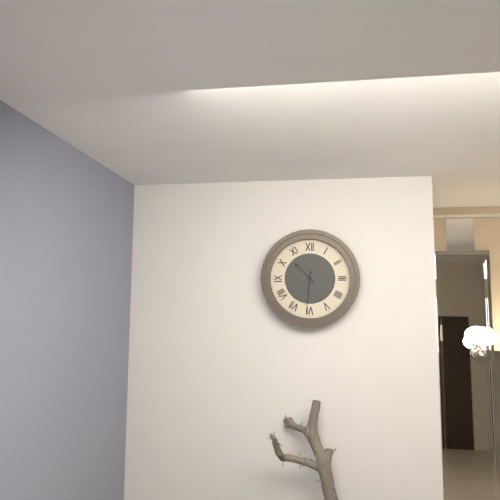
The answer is 10:31
